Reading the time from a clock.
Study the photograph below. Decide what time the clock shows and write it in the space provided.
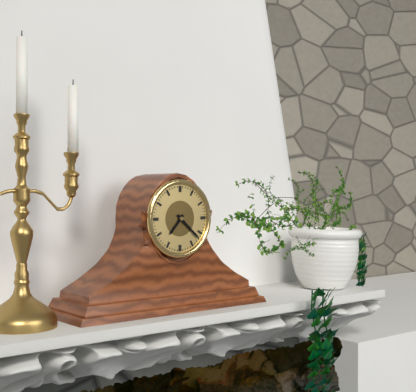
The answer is 7:22
